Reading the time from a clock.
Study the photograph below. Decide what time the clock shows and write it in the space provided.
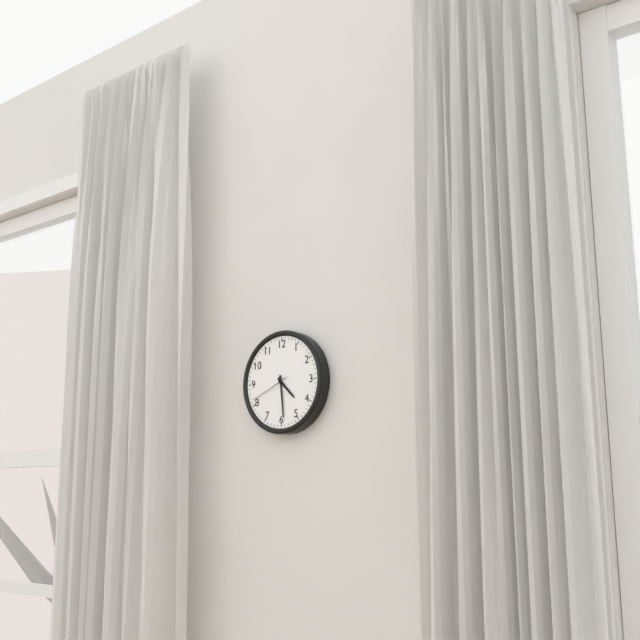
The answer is 4:29
